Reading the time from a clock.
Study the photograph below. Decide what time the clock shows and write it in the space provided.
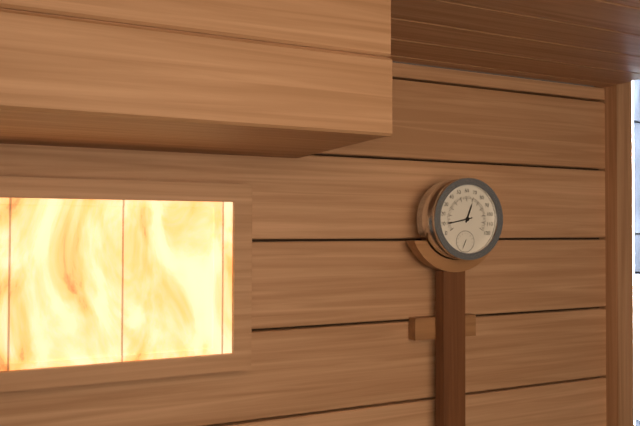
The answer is 12:43
